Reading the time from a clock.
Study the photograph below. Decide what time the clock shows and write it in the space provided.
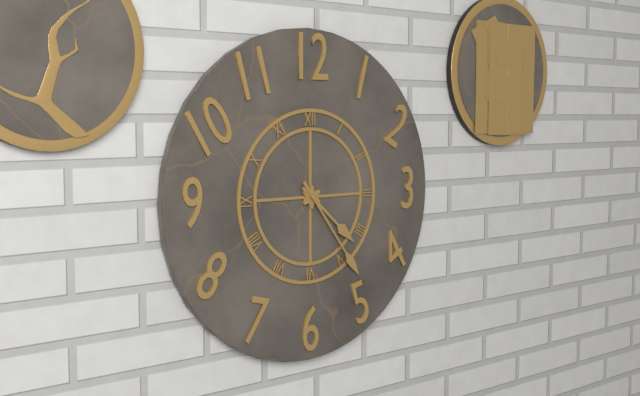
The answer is 4:24
